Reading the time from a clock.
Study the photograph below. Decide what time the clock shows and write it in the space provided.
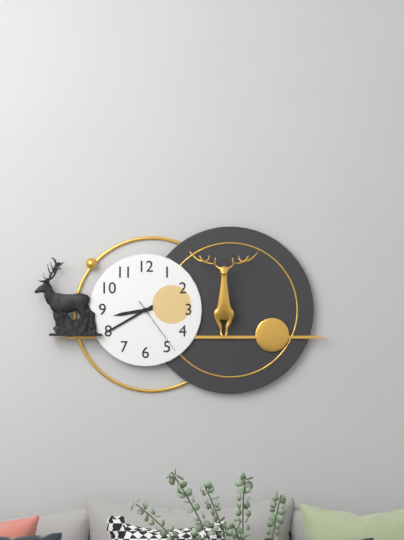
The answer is 8:40:24
